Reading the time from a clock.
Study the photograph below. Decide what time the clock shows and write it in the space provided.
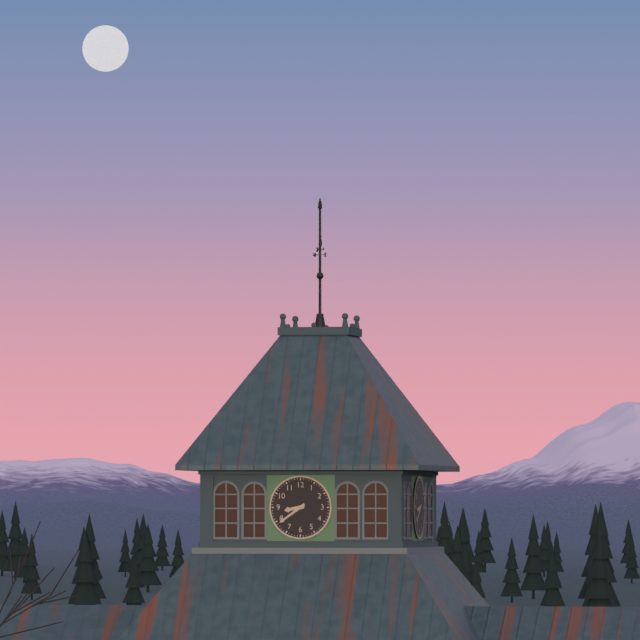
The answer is 8:39
